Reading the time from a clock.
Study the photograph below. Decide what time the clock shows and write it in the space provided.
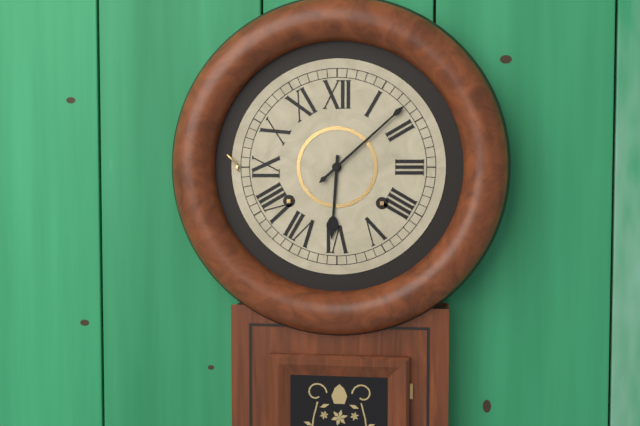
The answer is 6:08
